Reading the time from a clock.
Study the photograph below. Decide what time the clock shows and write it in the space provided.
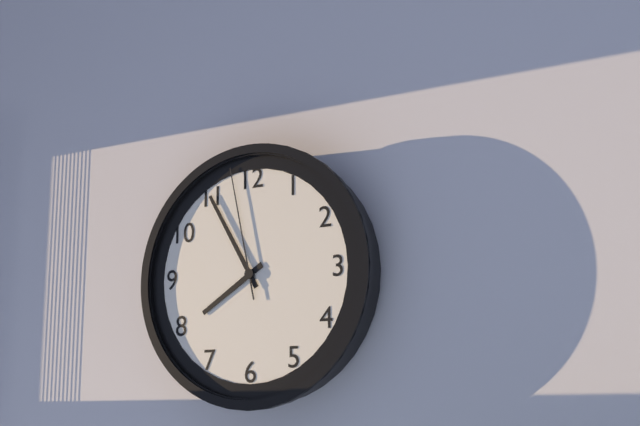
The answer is 7:55:58
